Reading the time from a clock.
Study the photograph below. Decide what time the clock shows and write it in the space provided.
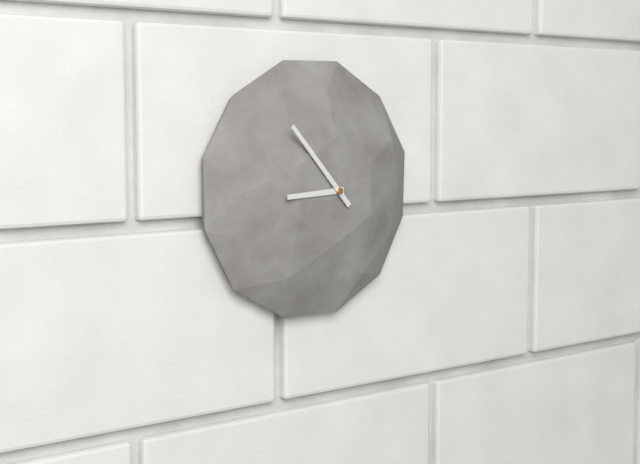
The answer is 8:53
